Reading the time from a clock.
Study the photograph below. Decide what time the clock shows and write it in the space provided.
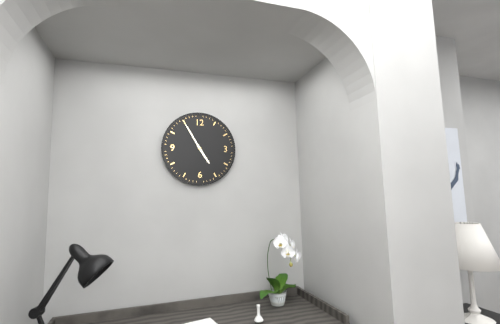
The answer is 4:55
